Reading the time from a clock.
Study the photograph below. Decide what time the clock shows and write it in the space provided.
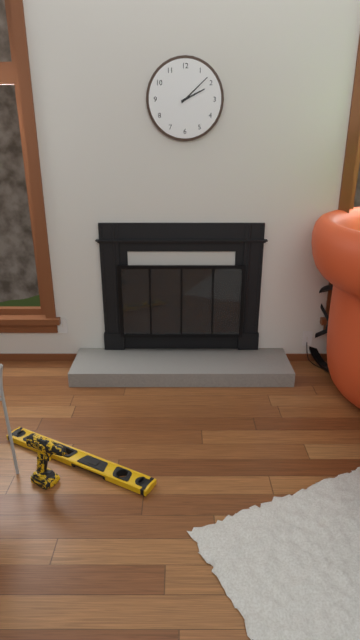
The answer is 2:08
